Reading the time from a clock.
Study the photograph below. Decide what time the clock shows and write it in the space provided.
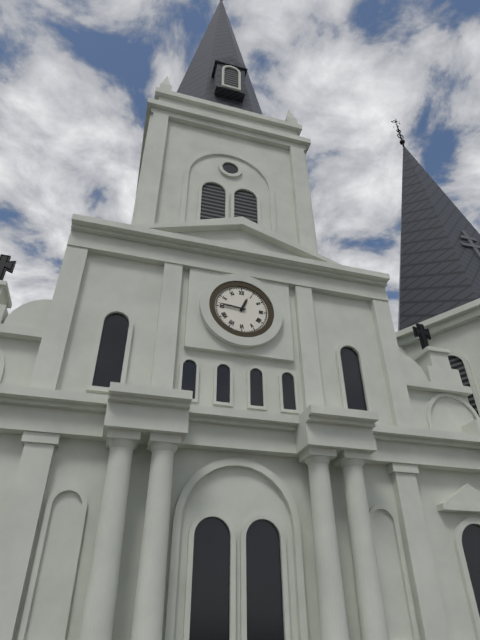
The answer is 12:46
